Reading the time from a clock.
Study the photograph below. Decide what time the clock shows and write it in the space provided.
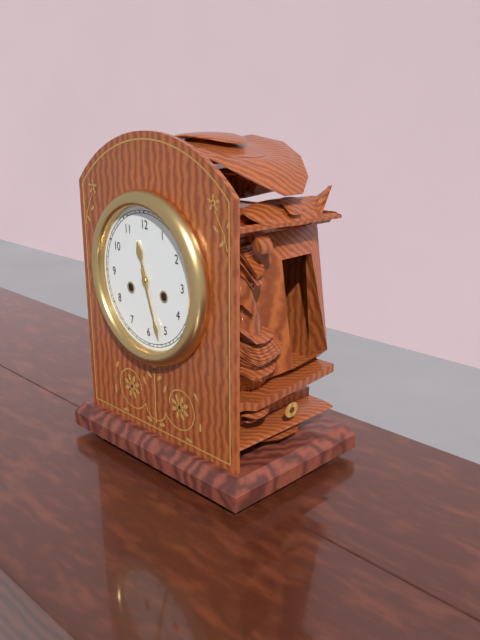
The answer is 11:27
